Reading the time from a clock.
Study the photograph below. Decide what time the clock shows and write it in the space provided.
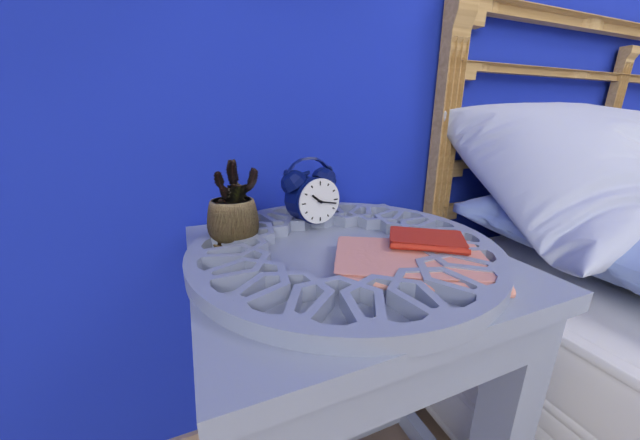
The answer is 10:17
